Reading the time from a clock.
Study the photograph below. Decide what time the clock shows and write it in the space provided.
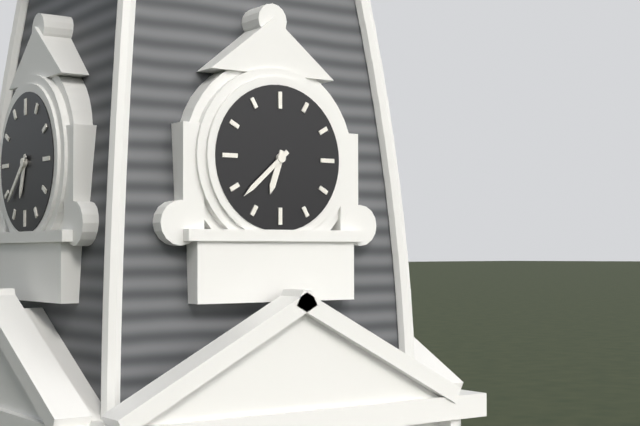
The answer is 6:38
